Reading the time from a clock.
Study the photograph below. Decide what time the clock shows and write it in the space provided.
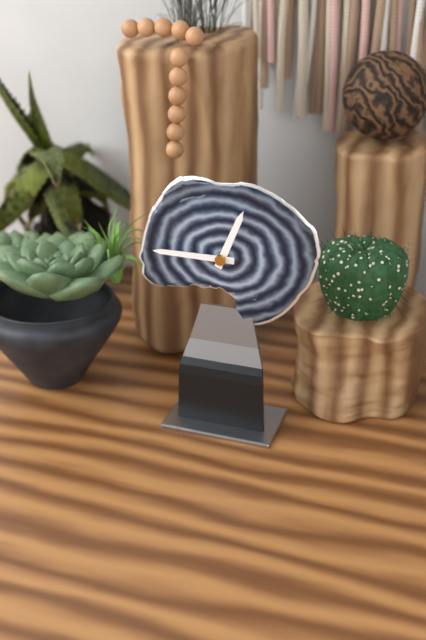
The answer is 12:45
